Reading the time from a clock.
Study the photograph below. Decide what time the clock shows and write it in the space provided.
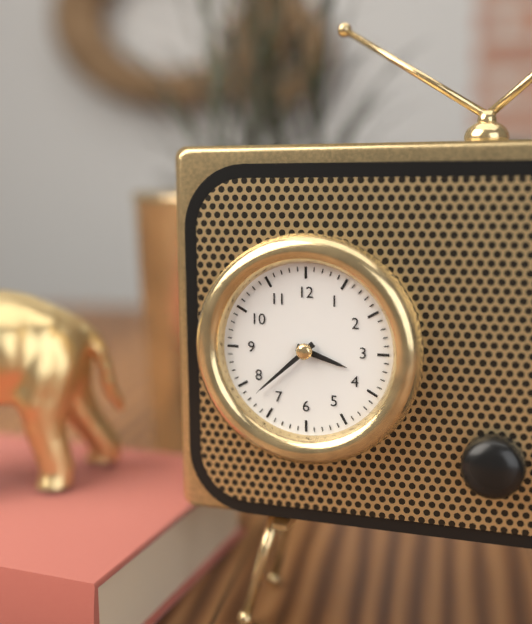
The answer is 3:38
